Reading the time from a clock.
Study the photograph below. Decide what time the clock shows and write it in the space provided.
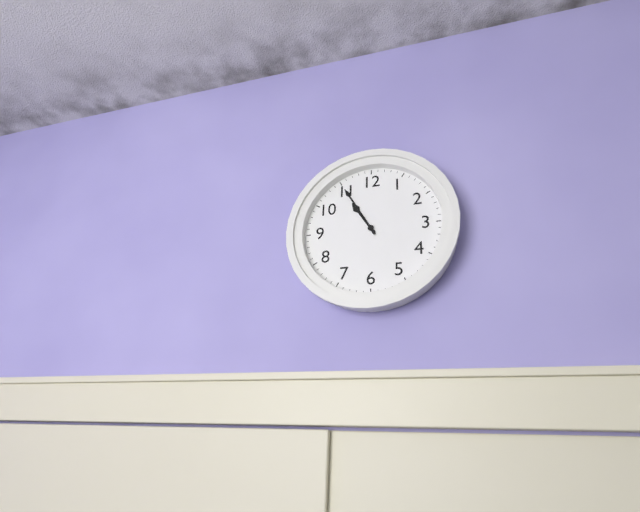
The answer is 10:55
